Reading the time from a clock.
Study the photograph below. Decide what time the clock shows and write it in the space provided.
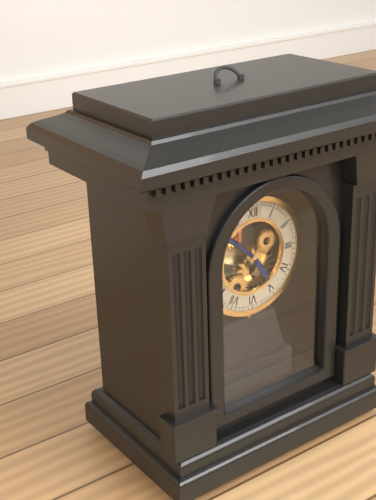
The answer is 4:52
